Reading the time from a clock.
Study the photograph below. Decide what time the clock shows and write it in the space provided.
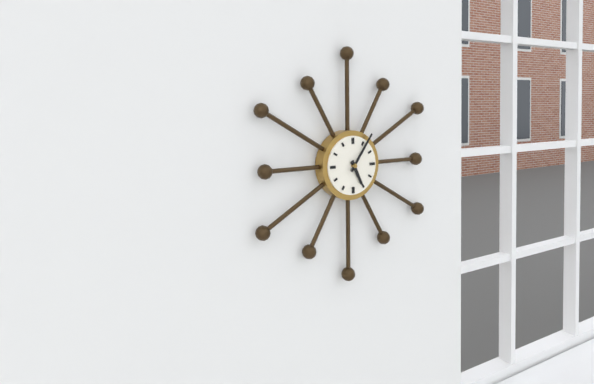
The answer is 5:06
